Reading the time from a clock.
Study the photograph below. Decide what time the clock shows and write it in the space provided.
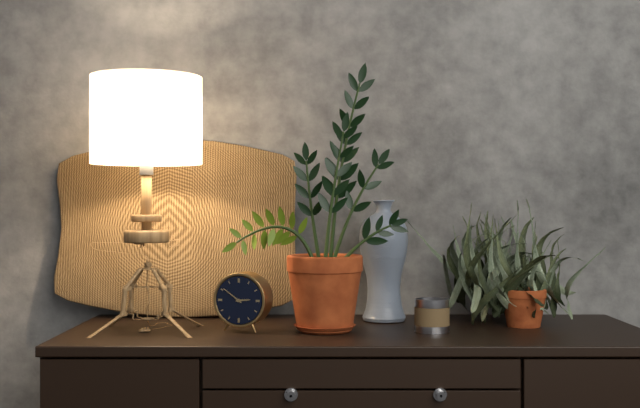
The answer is 2:51
